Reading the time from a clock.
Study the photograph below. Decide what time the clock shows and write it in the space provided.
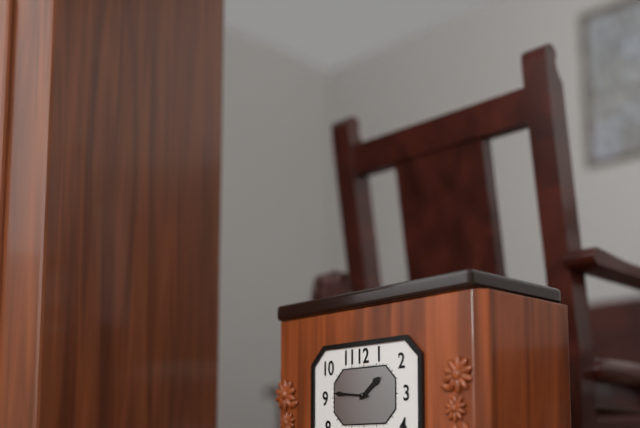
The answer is 1:46
